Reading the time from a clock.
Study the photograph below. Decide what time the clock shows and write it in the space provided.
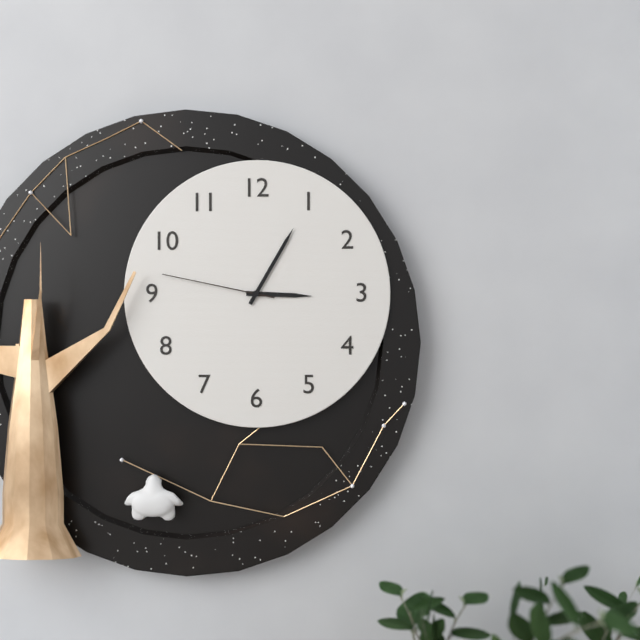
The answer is 3:05:47
